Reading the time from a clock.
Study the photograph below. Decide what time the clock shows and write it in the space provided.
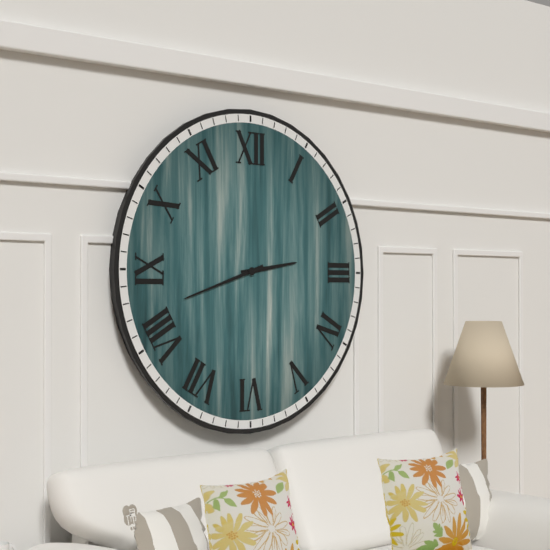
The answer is 2:42
